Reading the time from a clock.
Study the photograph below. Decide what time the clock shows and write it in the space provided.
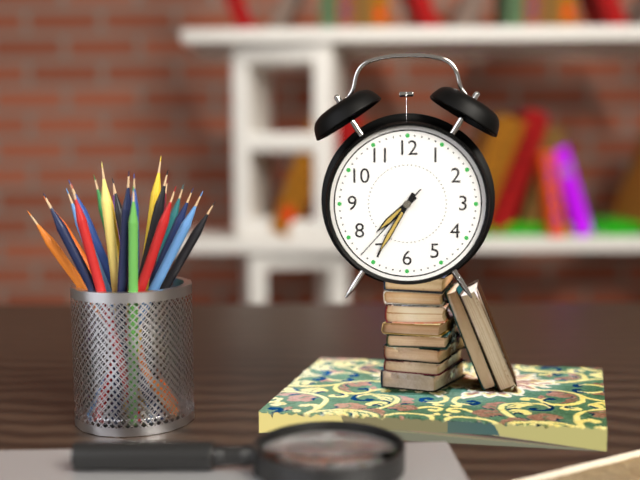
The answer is 7:35:37
